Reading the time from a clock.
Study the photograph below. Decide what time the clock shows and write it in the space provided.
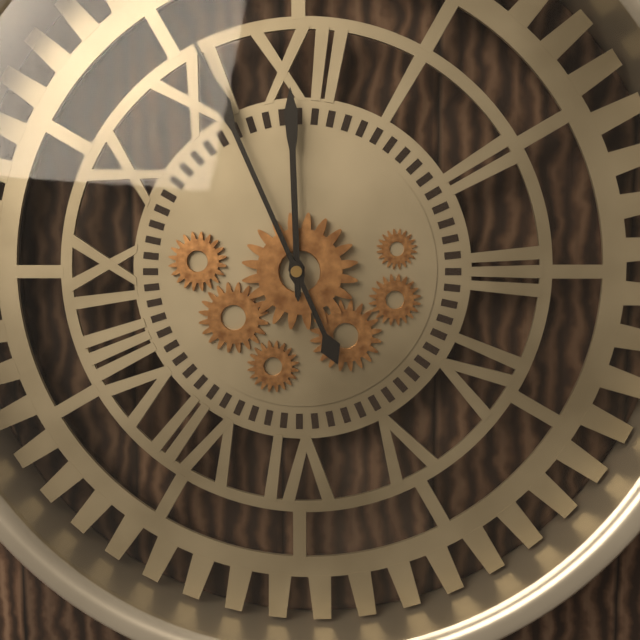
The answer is 11:56
